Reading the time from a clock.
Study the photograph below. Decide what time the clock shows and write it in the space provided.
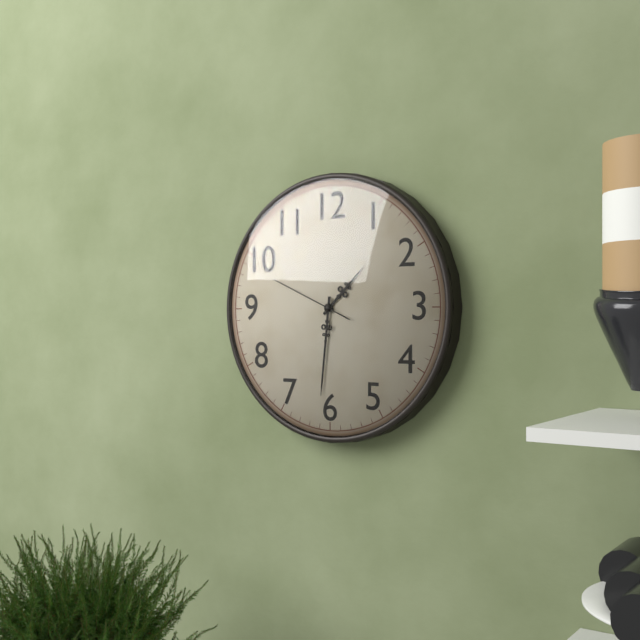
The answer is 1:31:49
